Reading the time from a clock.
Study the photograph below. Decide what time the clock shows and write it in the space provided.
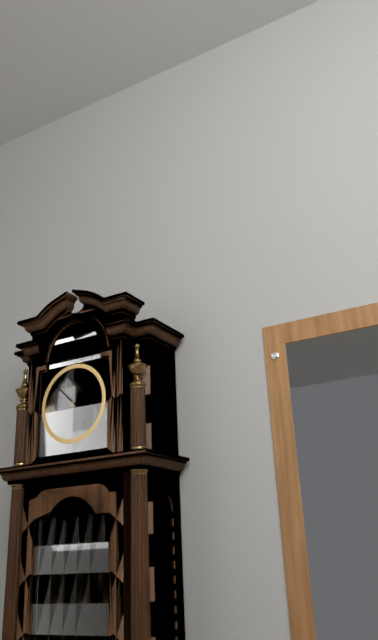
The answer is 8:52
